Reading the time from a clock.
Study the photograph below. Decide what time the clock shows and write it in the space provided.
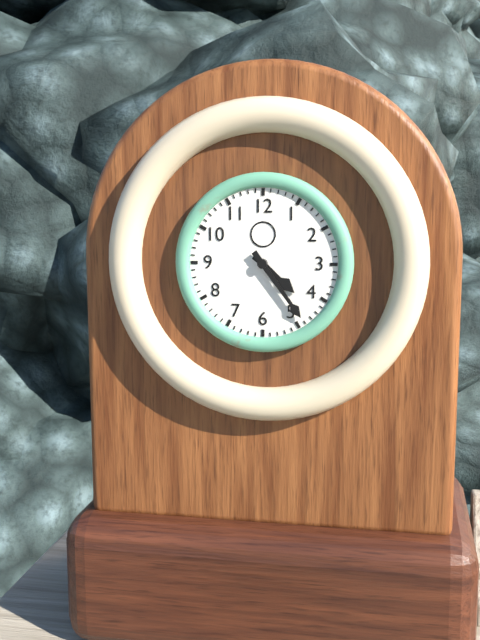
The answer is 4:24
